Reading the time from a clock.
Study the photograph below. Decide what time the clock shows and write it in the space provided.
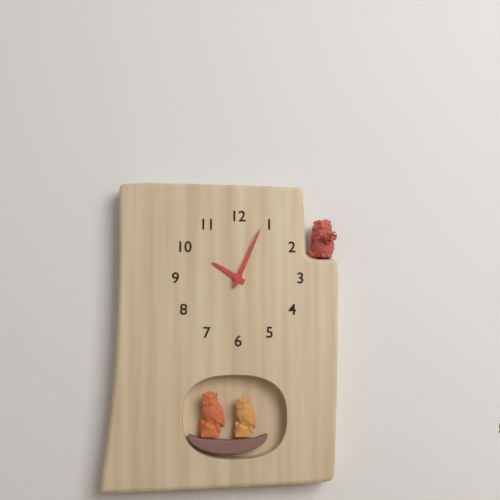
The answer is 10:04
